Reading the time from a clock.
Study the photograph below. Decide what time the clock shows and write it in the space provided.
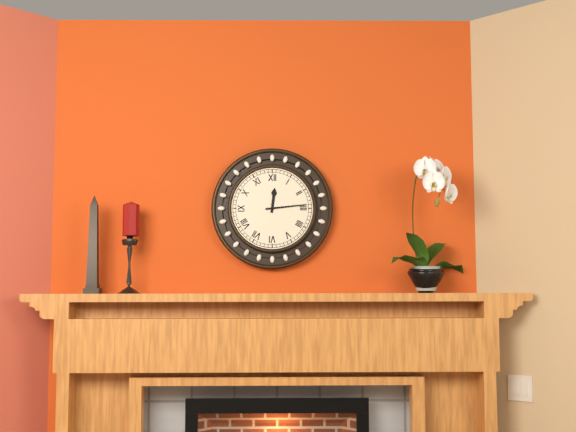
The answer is 12:14
